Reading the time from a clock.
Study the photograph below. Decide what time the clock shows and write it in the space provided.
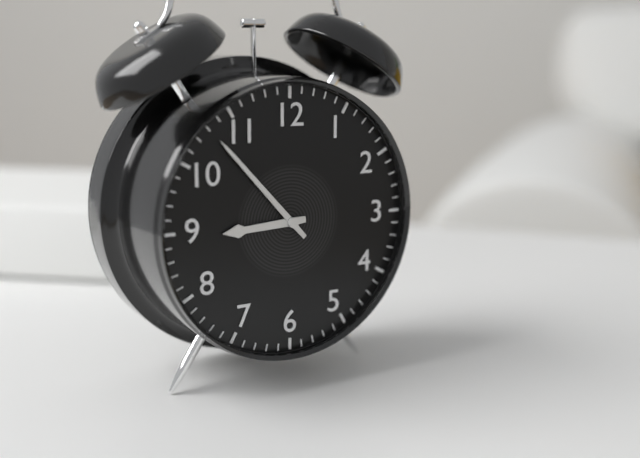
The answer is 8:53
